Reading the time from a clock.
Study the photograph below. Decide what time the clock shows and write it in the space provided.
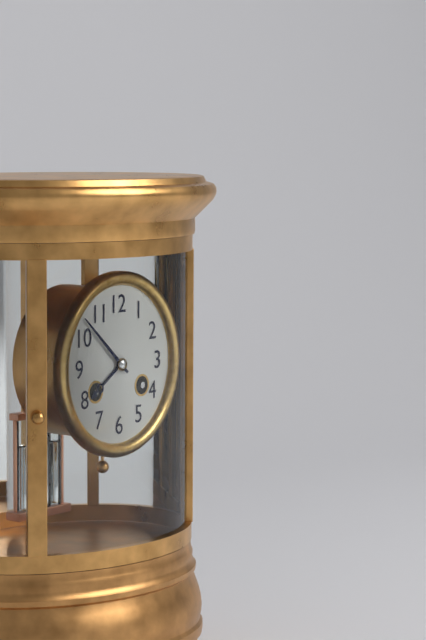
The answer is 7:52
